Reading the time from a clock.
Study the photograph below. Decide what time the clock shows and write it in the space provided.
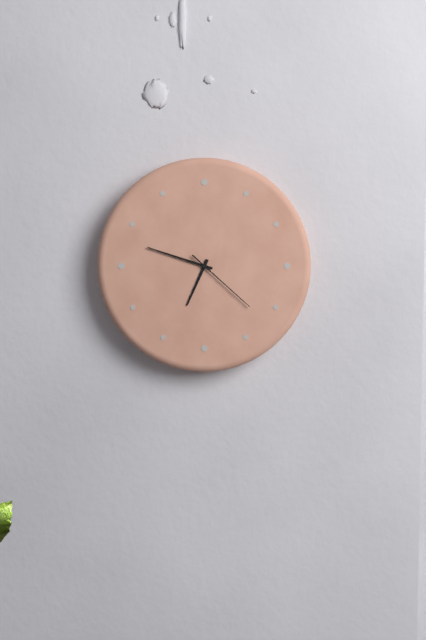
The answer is 6:48:22
